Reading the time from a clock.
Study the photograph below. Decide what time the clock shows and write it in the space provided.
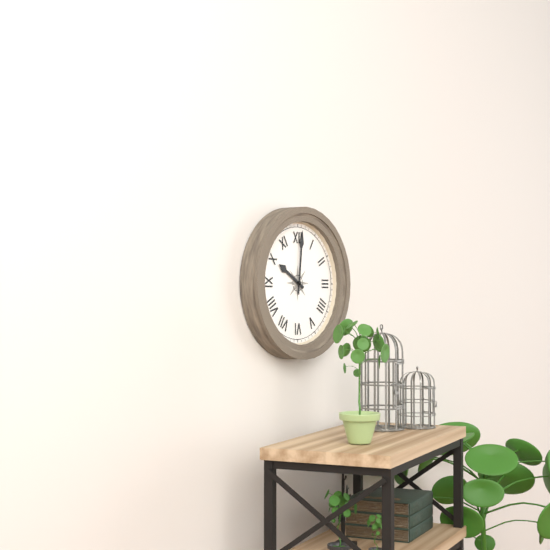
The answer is 10:01
